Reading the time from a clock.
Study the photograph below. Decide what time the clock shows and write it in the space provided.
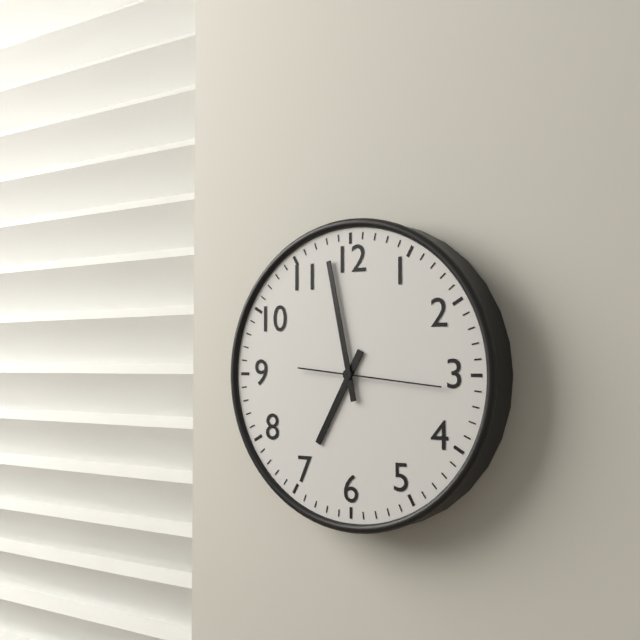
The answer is 6:58:16
